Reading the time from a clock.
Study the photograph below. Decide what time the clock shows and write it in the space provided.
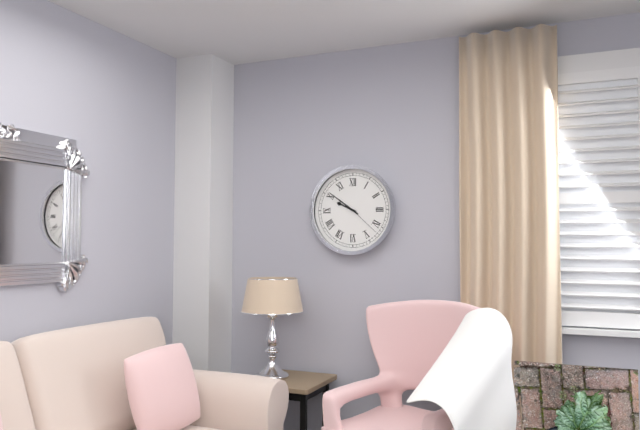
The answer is 9:51
